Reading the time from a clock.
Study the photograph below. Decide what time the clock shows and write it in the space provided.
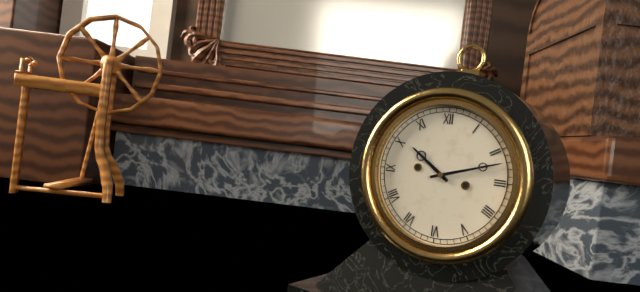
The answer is 10:12
